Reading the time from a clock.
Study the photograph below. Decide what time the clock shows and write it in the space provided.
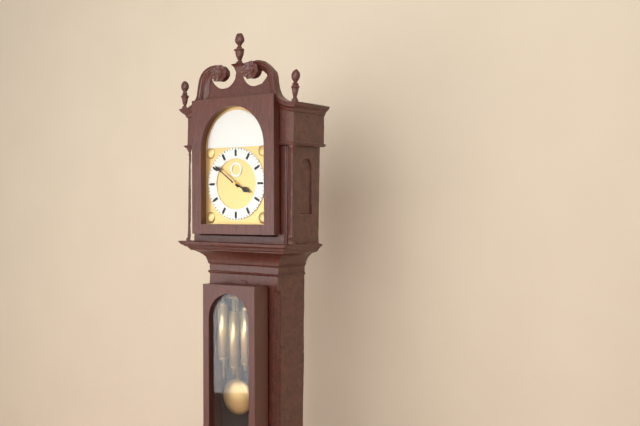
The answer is 3:51
